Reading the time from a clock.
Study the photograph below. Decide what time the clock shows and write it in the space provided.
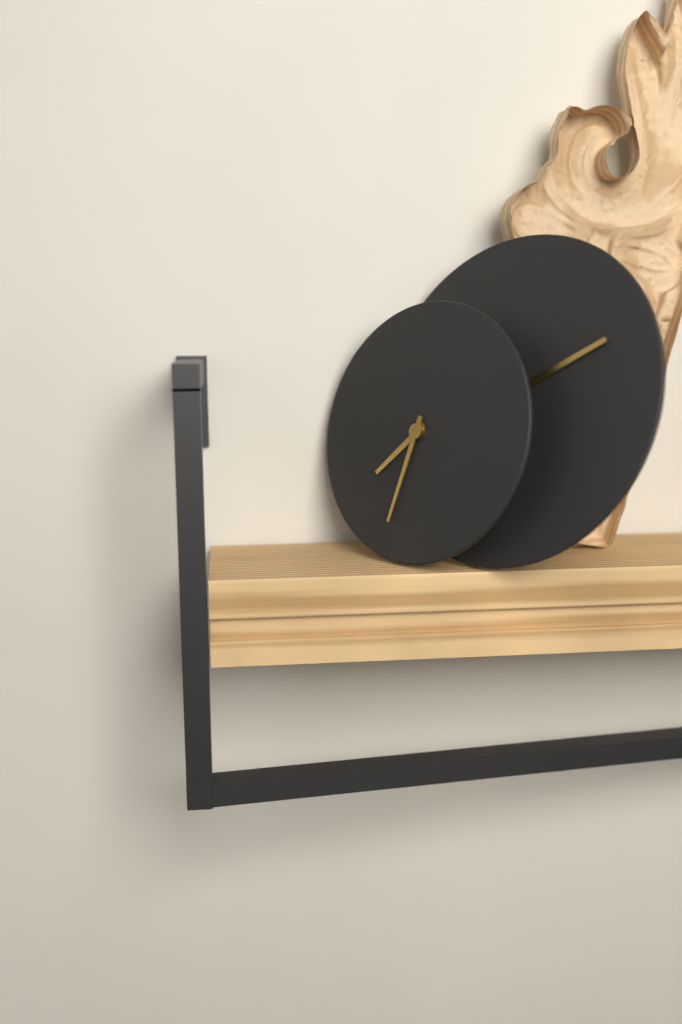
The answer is 7:32
